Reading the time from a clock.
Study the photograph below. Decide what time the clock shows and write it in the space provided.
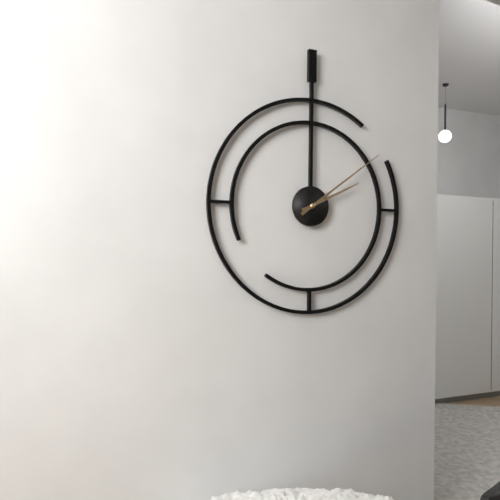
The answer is 2:09
